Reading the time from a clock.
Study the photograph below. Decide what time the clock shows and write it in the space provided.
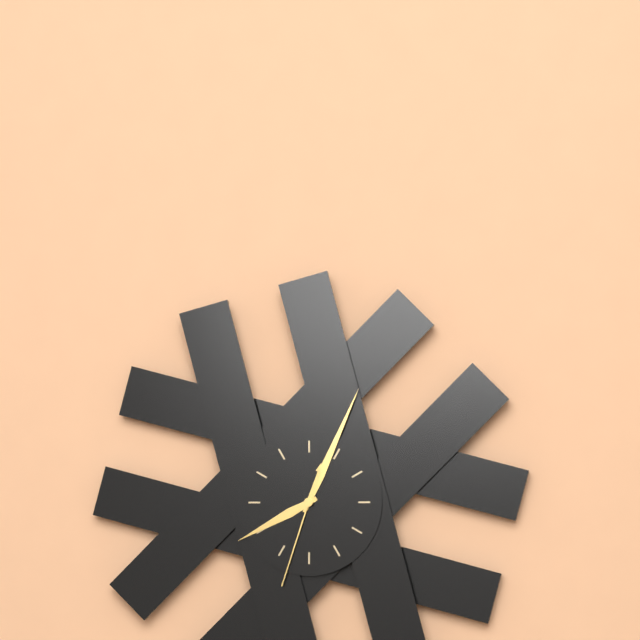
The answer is 8:04:33
